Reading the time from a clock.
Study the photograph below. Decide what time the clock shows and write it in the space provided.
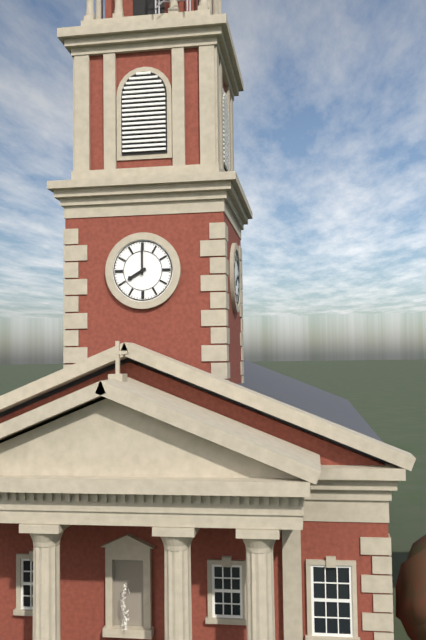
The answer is 8:00
